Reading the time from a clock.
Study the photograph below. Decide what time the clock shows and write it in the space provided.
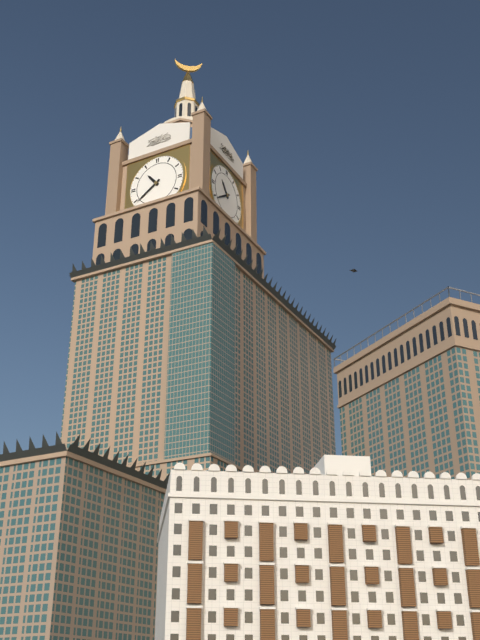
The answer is 10:39
